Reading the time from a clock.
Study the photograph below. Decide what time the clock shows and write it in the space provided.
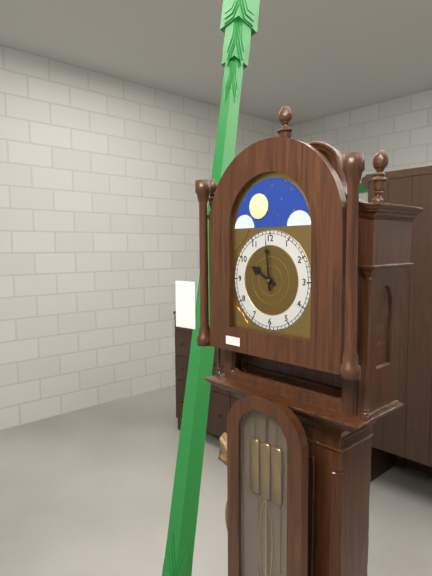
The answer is 9:59
